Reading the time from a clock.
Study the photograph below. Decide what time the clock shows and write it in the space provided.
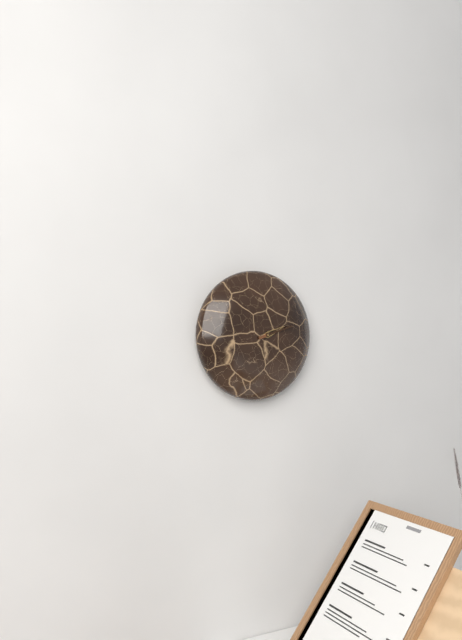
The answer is 2:12
